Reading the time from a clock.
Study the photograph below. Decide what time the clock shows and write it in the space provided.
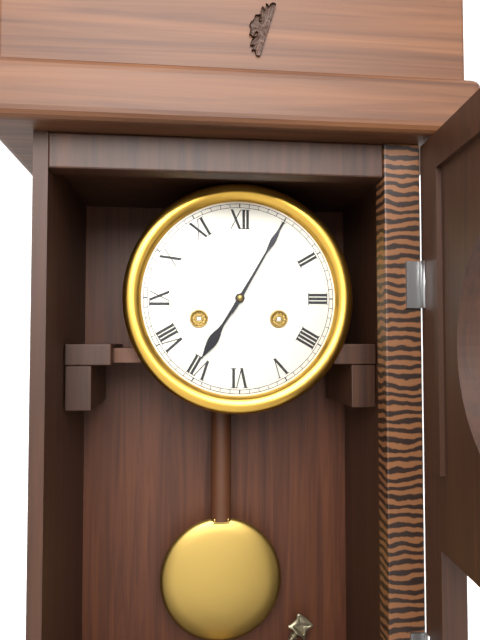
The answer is 7:05
